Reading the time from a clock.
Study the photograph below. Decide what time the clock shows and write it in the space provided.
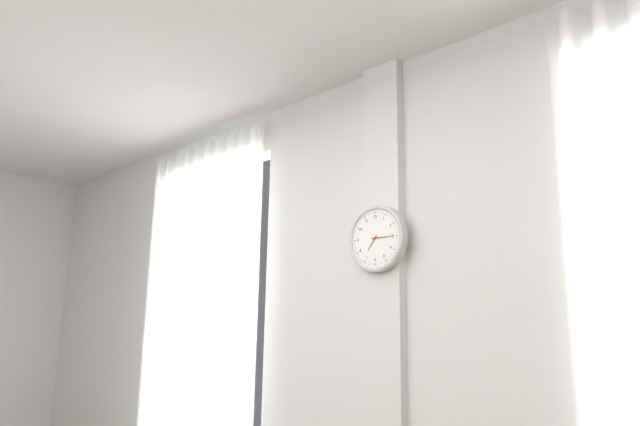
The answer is 7:15
